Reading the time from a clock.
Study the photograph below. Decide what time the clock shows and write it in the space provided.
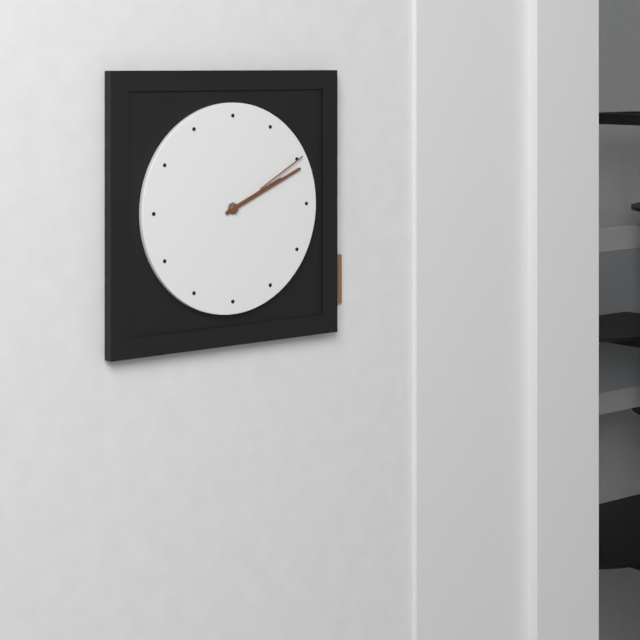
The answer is 2:11:10
